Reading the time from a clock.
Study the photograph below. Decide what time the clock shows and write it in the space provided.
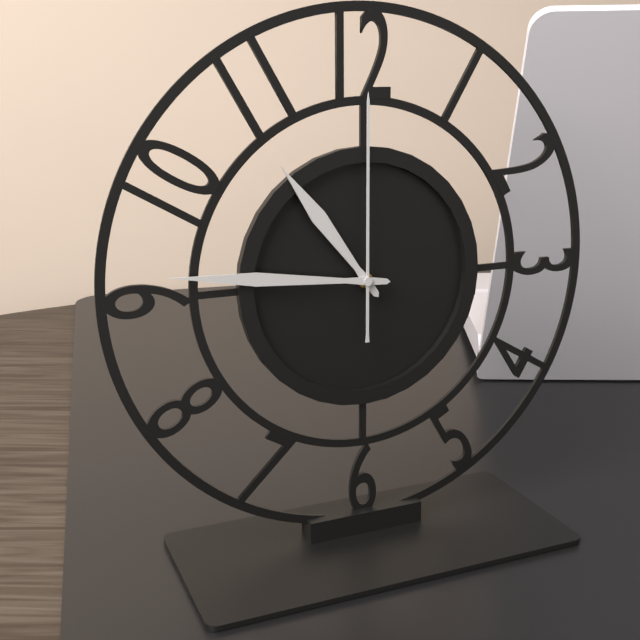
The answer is 10:46:00
